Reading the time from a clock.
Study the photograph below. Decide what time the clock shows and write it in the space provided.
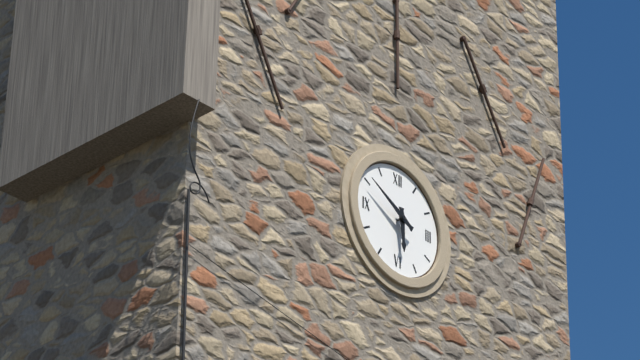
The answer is 5:50
